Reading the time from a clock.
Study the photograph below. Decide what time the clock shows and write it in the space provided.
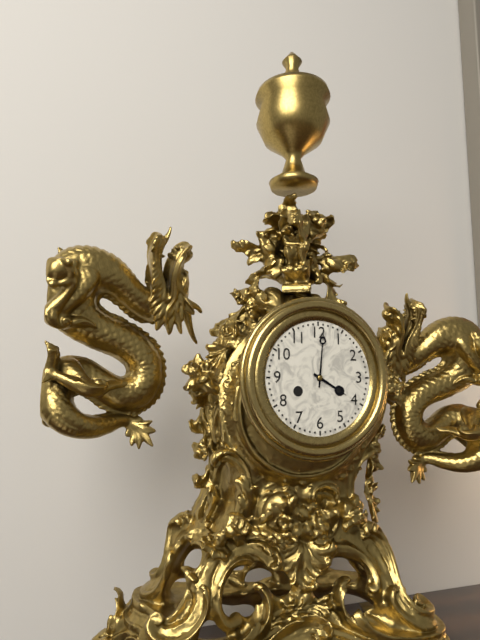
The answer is 4:01
